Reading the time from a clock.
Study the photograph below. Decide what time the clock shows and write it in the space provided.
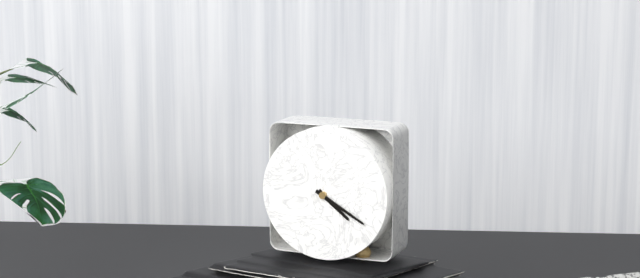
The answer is 4:20
